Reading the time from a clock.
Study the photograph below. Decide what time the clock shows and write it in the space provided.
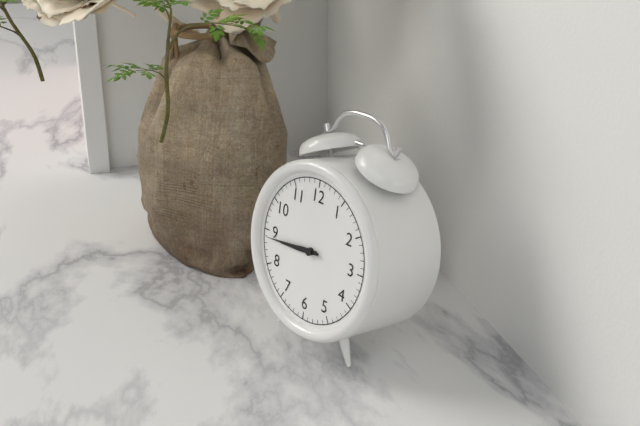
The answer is 8:44
